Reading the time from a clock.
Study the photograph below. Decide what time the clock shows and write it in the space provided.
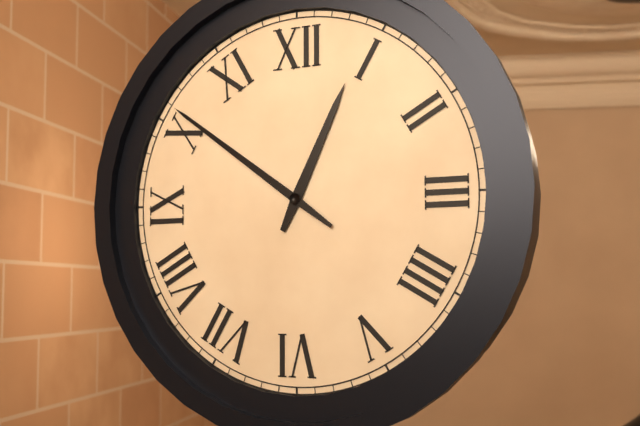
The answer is 12:51
